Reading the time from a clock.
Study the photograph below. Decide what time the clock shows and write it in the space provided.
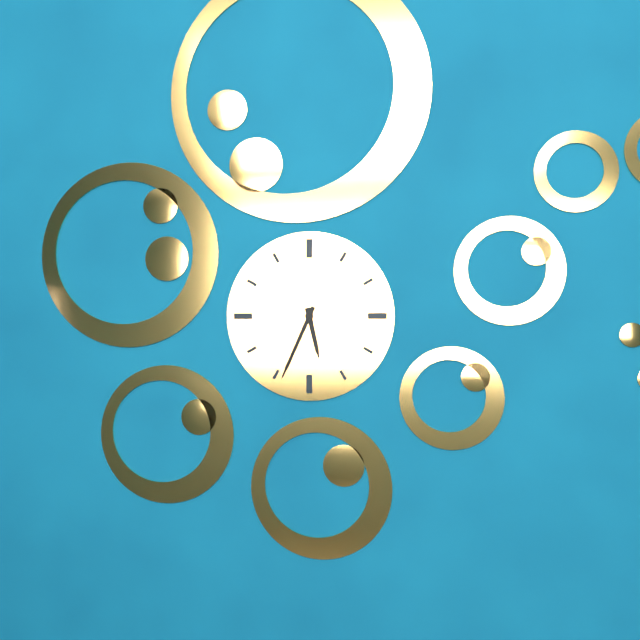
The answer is 5:34
